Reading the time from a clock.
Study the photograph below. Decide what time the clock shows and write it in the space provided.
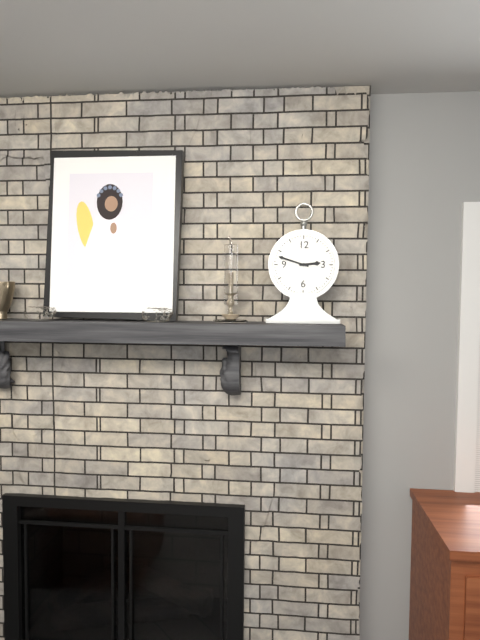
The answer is 2:48
